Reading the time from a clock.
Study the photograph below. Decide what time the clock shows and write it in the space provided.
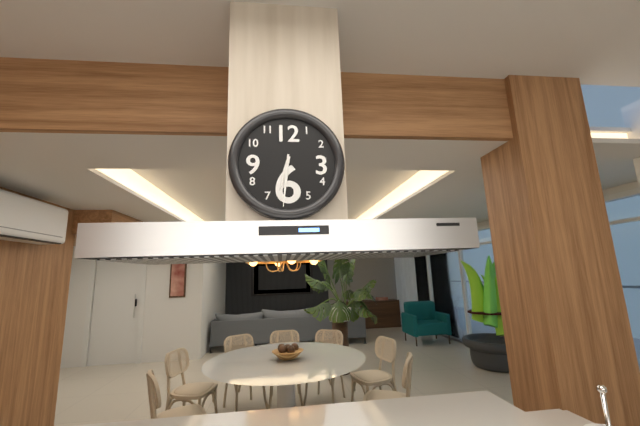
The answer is 6:31
